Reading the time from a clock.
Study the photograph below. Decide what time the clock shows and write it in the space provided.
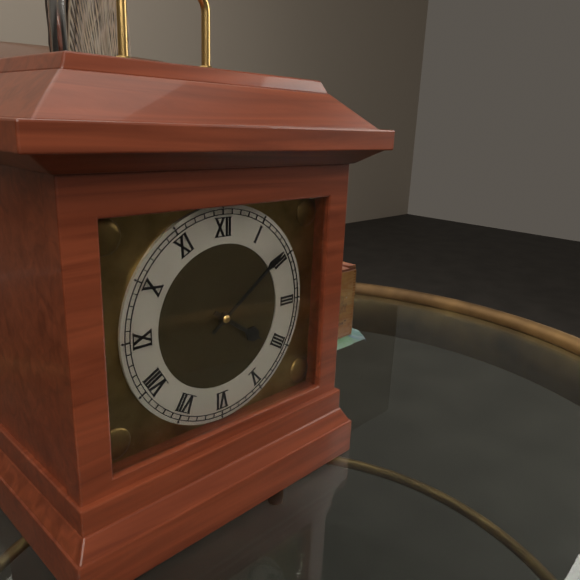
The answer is 4:09
